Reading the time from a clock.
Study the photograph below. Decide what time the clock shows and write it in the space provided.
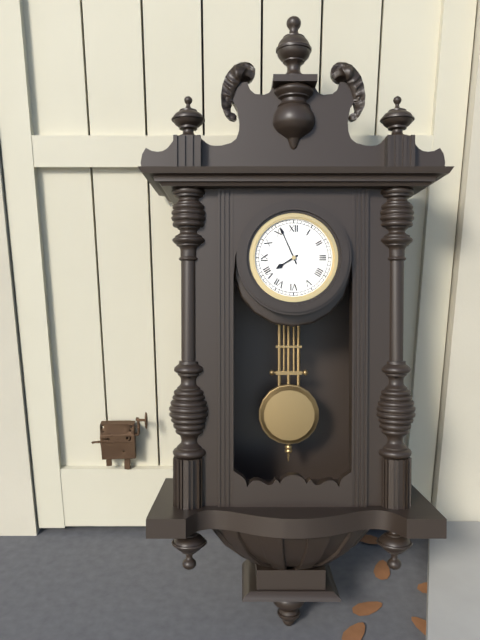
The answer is 7:56
